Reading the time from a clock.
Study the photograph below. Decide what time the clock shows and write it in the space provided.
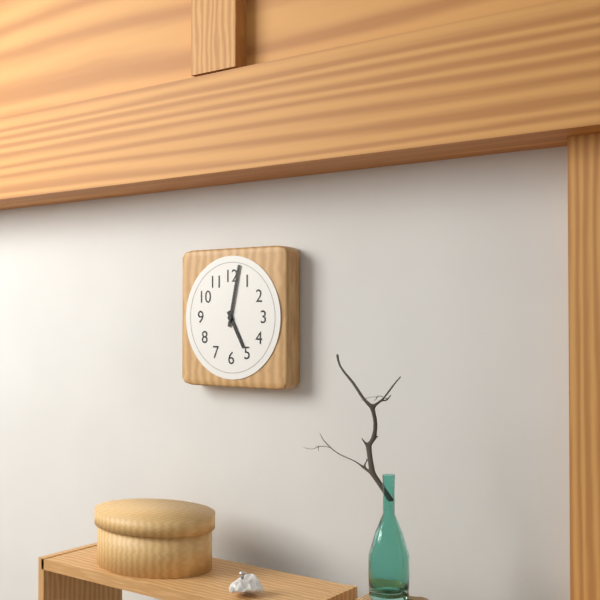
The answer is 5:02
